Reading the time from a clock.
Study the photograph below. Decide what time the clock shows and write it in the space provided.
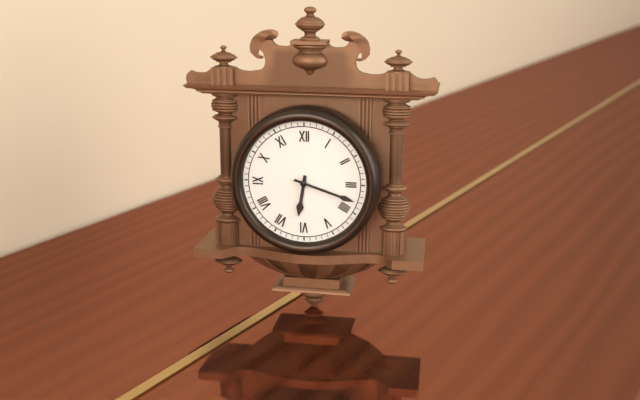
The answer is 6:18
